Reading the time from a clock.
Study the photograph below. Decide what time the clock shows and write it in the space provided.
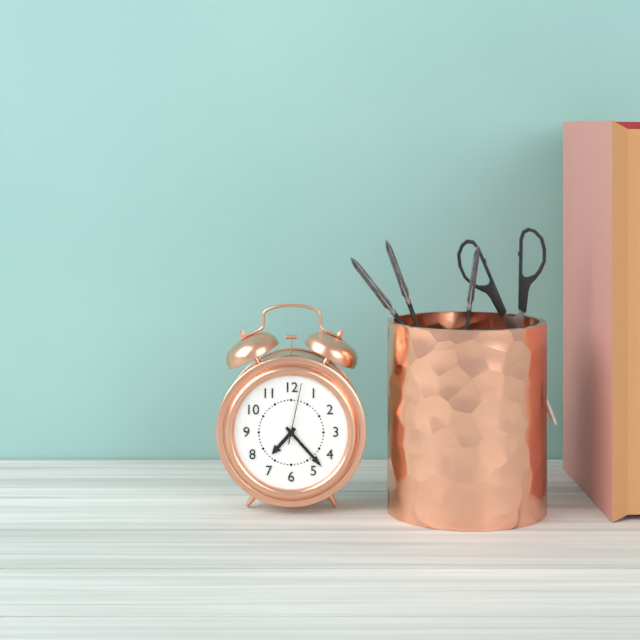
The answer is 7:23:02
